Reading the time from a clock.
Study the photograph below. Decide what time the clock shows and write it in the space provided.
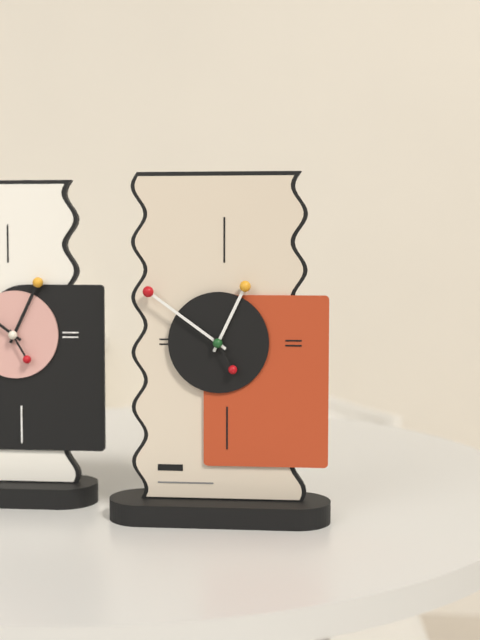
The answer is 12:51
